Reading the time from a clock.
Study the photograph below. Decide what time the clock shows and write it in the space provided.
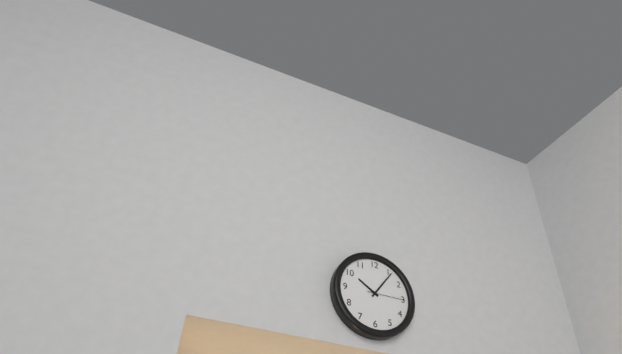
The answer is 10:06
